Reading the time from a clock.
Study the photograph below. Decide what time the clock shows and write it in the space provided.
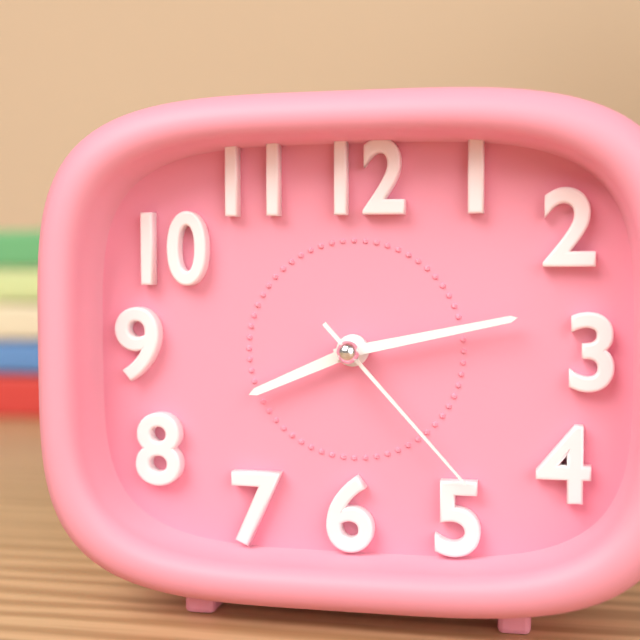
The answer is 8:13:23
